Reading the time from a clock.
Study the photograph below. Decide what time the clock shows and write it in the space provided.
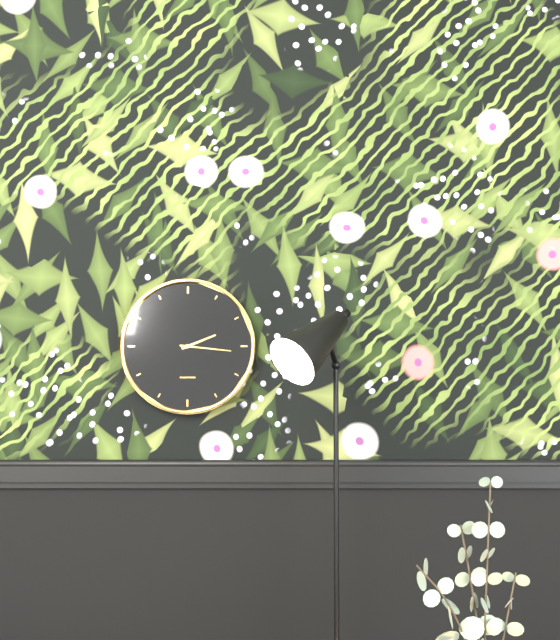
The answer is 2:16
